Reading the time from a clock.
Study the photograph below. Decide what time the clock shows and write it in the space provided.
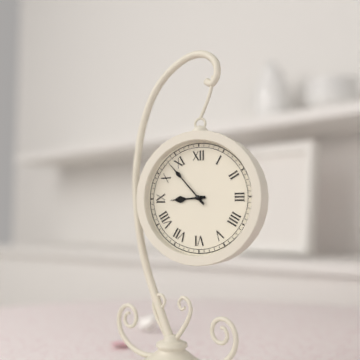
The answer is 8:53
